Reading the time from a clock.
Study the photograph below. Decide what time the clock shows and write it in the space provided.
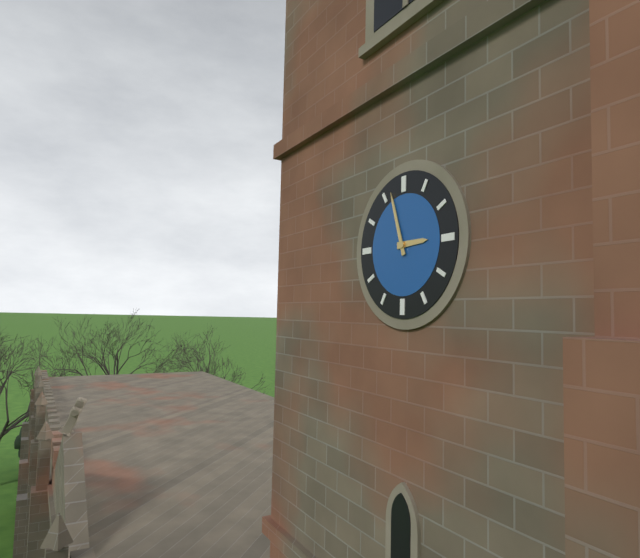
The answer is 2:57
